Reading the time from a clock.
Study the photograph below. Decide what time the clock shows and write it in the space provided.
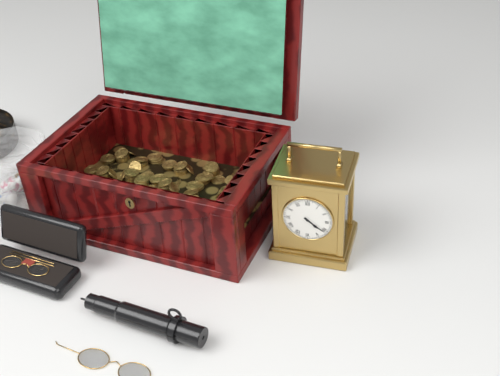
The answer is 4:21
